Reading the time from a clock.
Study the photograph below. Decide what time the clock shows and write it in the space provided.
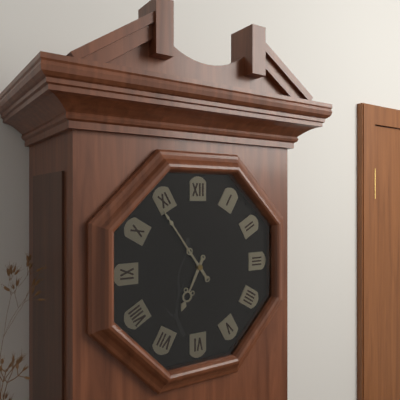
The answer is 6:54
